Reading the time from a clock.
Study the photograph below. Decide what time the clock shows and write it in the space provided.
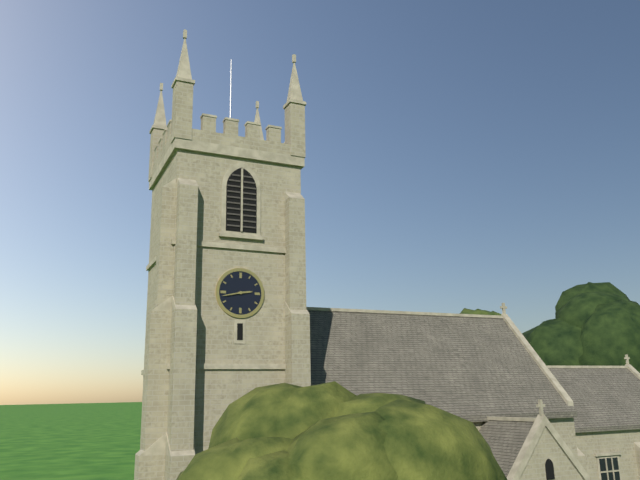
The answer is 2:43
